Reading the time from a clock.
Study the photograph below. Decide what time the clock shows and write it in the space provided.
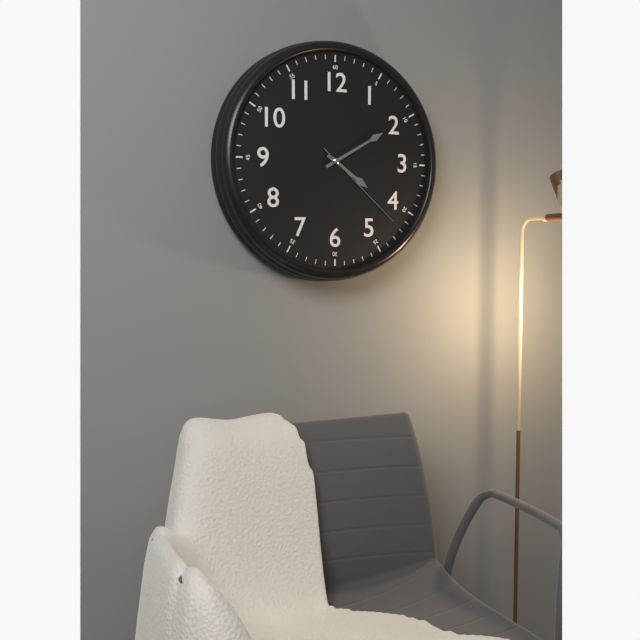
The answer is 4:10:22
